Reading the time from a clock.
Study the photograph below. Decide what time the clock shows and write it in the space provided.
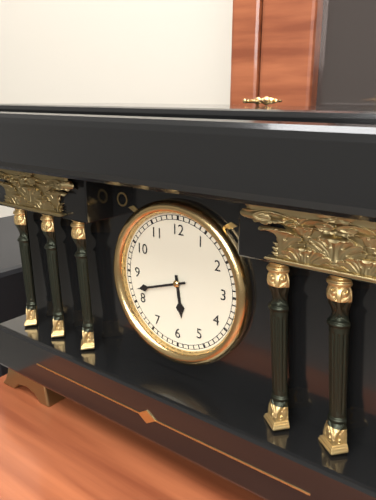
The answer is 5:42
